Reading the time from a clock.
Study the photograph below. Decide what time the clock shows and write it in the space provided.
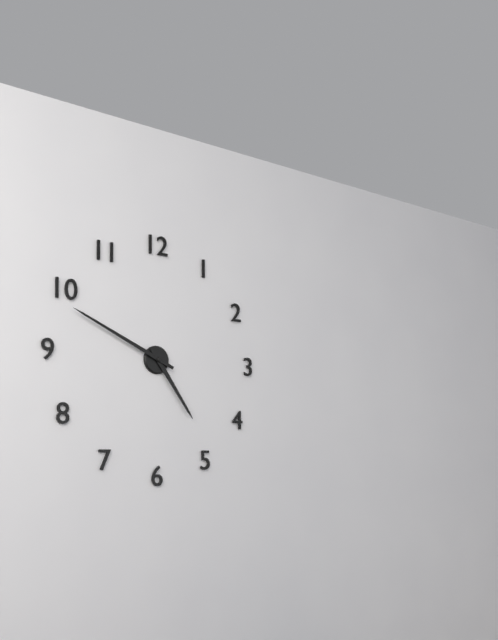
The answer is 4:49
